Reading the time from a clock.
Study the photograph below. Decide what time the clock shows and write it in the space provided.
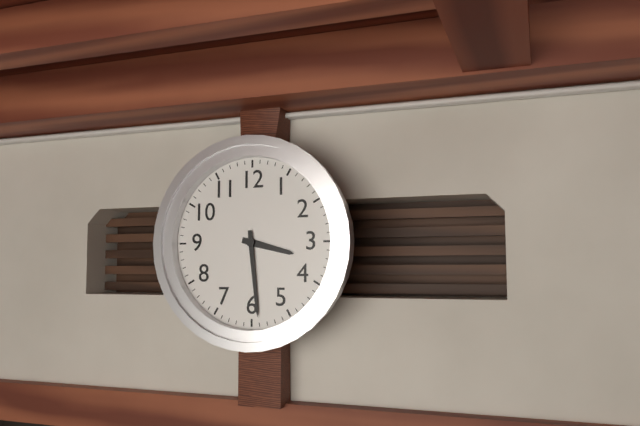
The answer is 3:29
